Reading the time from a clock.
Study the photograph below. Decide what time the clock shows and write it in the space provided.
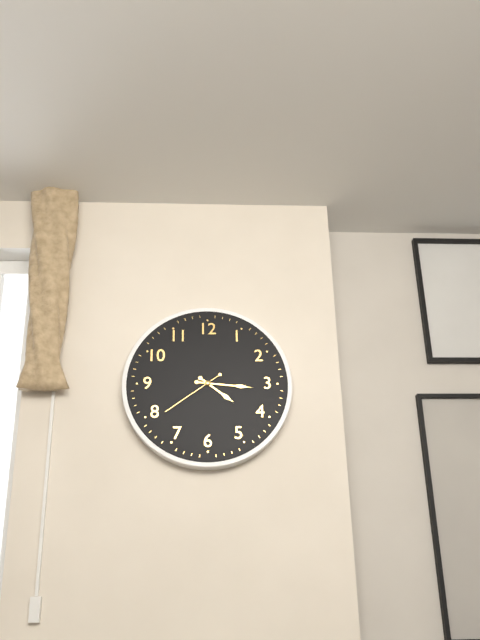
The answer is 4:16:39
